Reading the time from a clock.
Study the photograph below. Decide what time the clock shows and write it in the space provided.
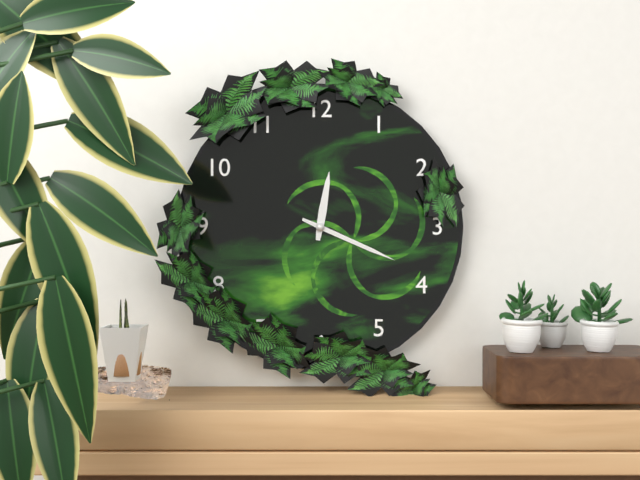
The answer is 12:19
